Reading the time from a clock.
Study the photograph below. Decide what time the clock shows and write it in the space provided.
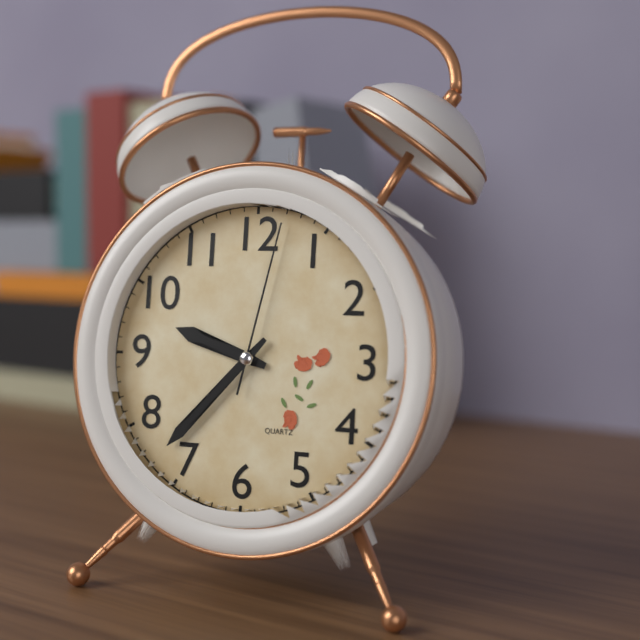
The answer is 9:37:02
